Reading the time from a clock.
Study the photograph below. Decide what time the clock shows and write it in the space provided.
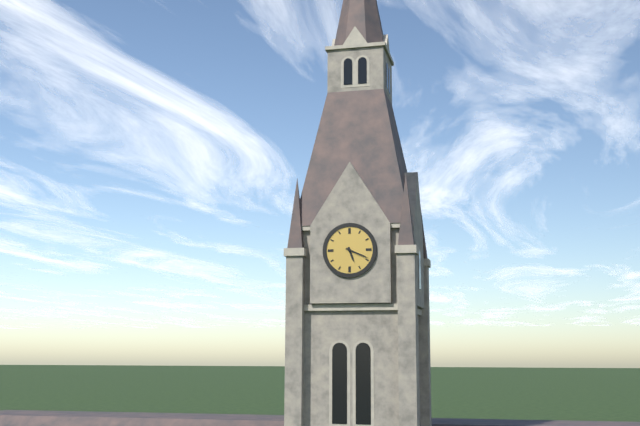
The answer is 5:19
